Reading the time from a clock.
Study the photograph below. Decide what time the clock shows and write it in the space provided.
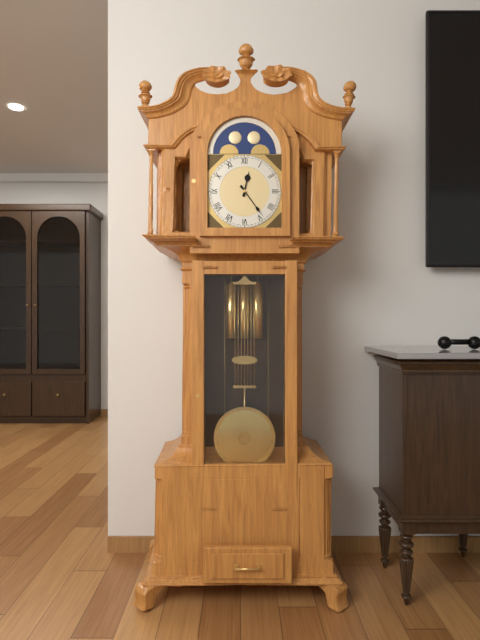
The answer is 12:24
